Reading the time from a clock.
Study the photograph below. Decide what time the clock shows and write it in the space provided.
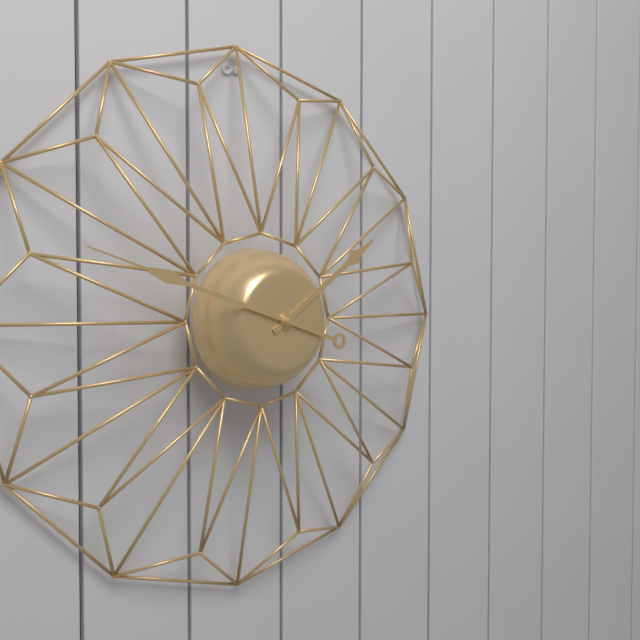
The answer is 1:48
